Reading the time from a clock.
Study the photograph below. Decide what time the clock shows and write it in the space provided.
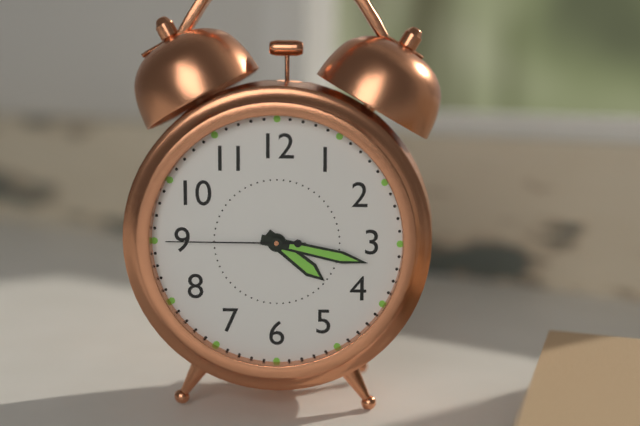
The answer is 4:17:45
